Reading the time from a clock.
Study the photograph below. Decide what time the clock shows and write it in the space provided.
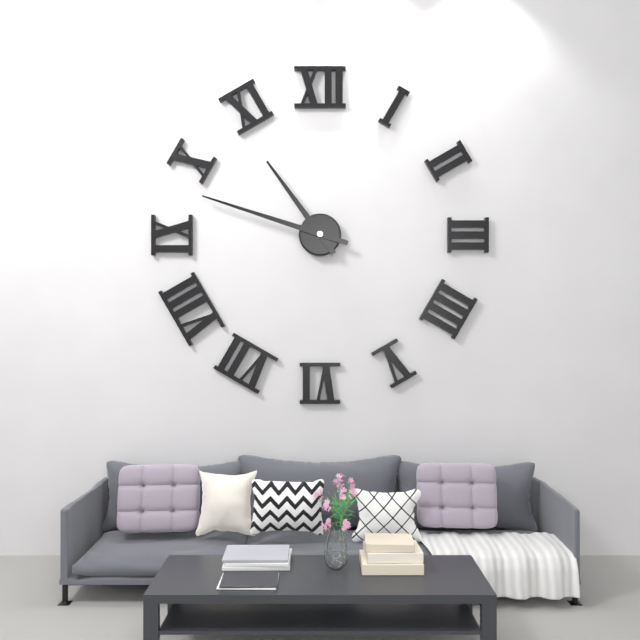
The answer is 10:48
